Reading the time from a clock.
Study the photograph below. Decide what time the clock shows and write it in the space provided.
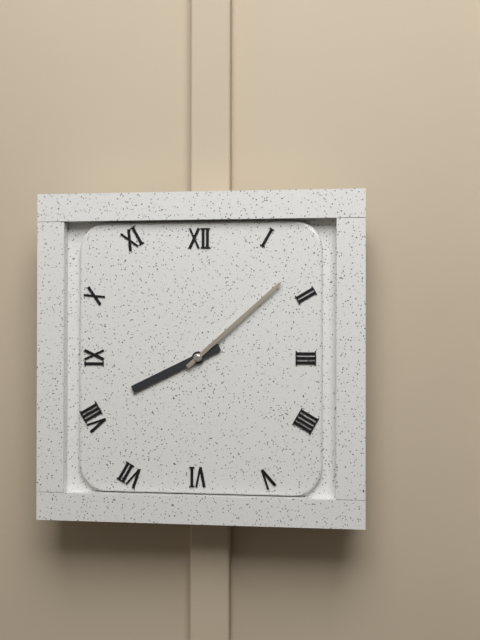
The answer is 8:08
